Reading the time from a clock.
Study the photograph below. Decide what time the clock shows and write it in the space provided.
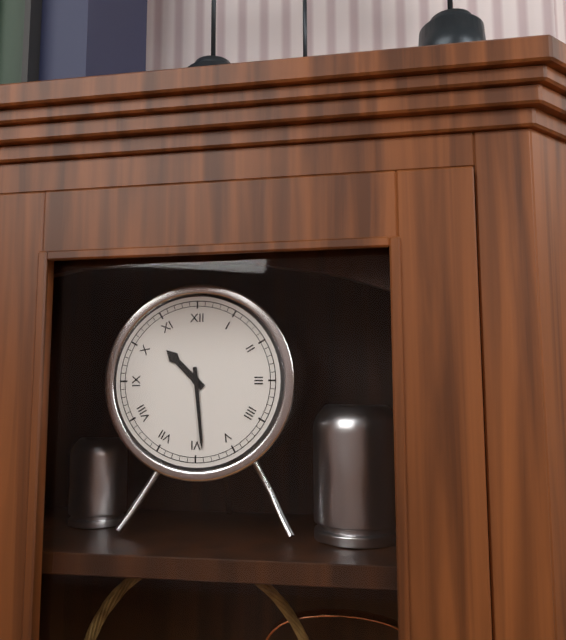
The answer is 10:29
